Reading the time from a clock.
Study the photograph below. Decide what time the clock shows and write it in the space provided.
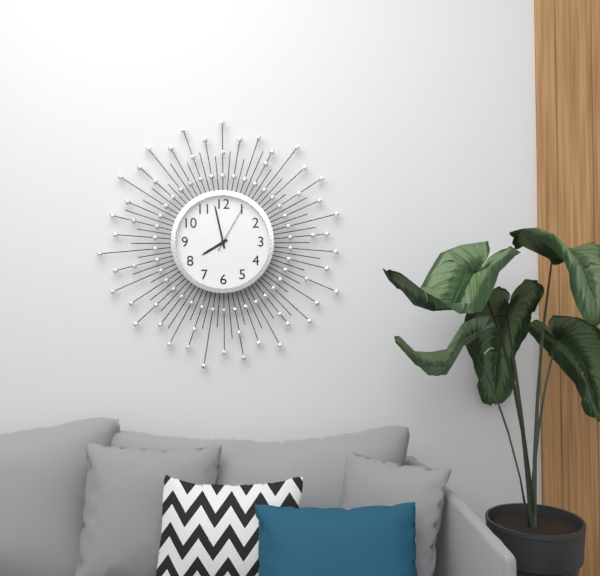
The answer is 7:58:05
